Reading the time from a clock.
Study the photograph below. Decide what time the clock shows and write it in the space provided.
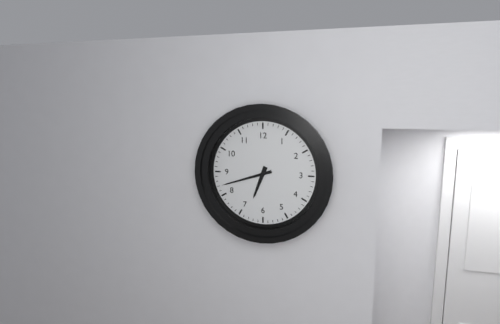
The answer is 6:42
